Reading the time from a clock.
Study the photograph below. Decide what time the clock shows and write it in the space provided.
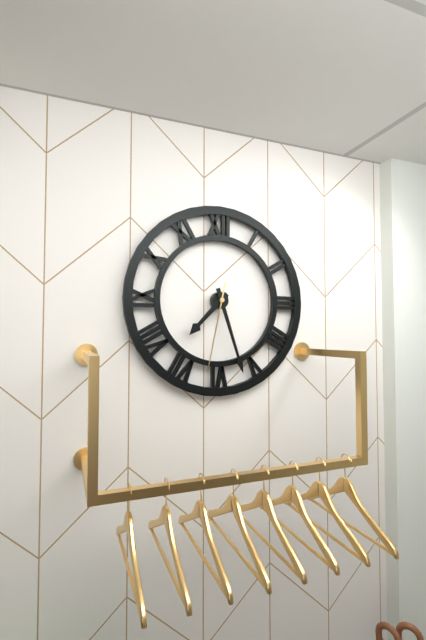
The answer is 7:27:32
